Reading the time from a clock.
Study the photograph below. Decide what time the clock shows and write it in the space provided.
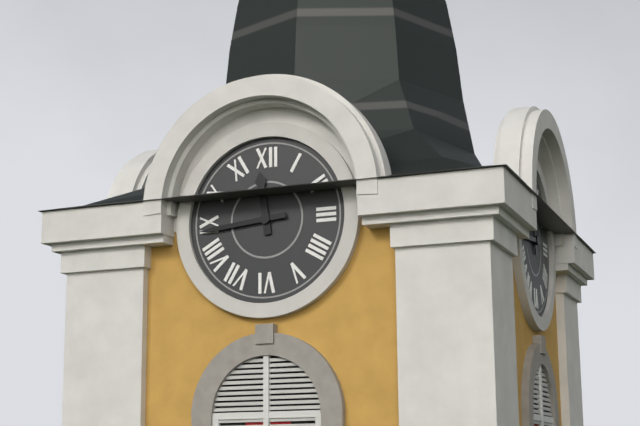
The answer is 11:44
